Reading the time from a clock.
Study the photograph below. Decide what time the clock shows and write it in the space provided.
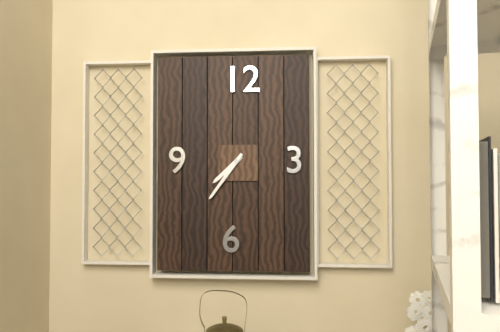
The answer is 7:36
